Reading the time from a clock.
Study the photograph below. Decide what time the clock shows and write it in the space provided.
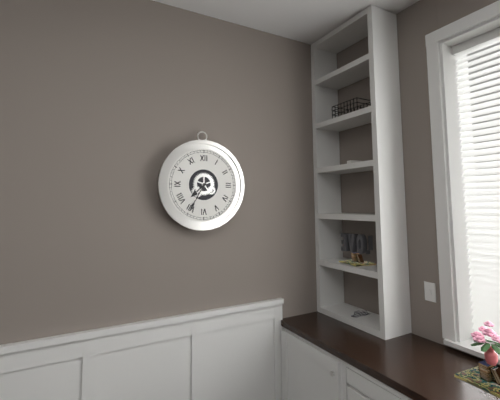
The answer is 7:35
